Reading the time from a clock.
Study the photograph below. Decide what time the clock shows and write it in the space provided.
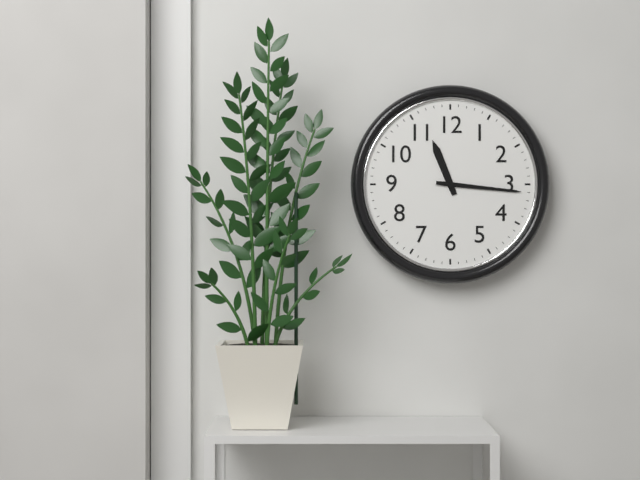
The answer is 11:16
